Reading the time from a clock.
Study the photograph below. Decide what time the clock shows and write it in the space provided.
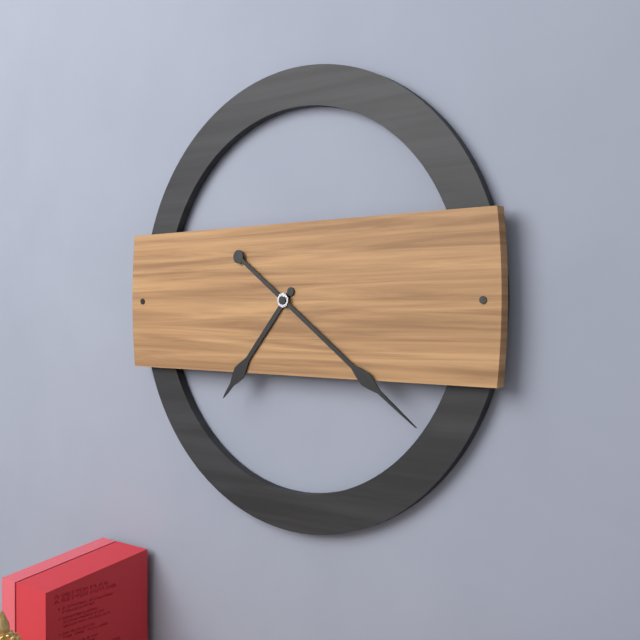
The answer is 7:21
